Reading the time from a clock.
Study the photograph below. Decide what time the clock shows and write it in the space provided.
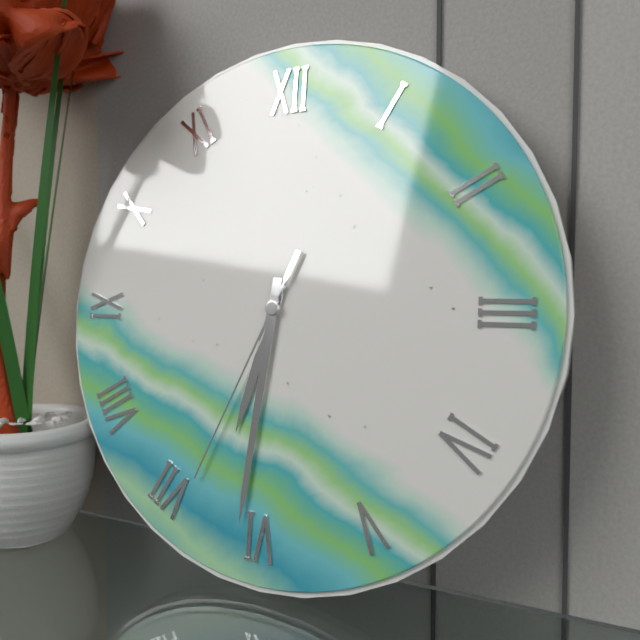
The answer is 6:31:34
